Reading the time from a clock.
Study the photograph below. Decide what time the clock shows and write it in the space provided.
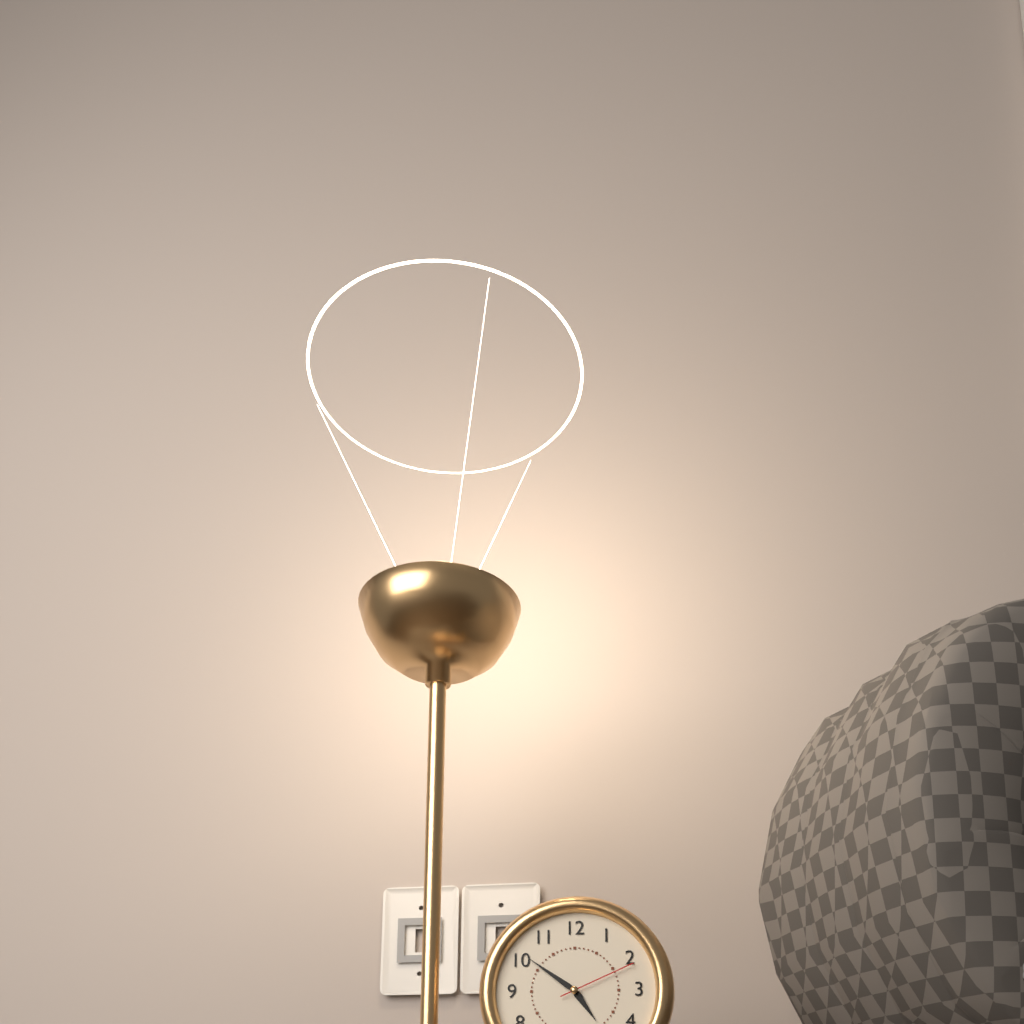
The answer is 4:51:11
